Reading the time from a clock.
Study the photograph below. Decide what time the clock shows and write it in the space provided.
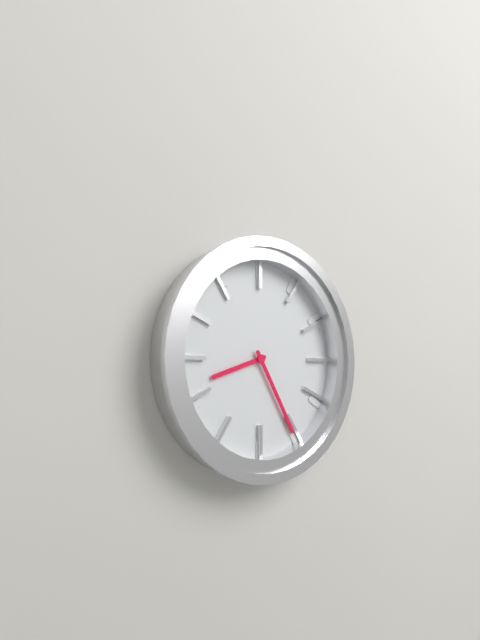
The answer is 8:25
